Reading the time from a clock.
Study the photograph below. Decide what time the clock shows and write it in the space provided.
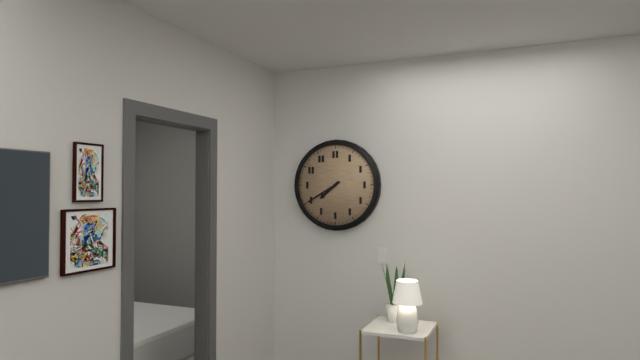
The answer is 7:40
